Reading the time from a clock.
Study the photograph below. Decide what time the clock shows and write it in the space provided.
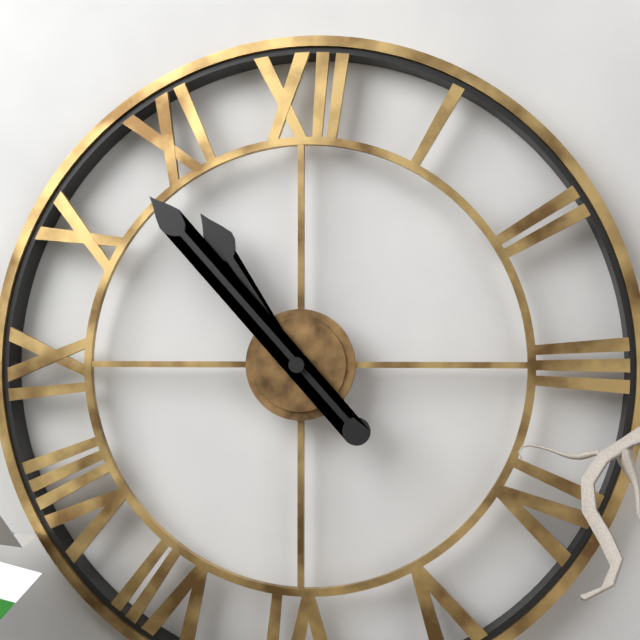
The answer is 10:53
